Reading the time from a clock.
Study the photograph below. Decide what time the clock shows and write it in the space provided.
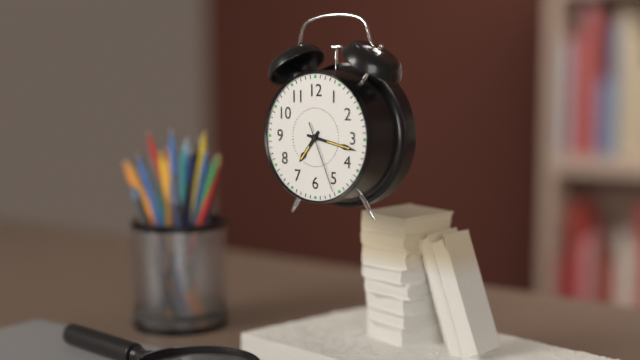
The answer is 7:17:26
